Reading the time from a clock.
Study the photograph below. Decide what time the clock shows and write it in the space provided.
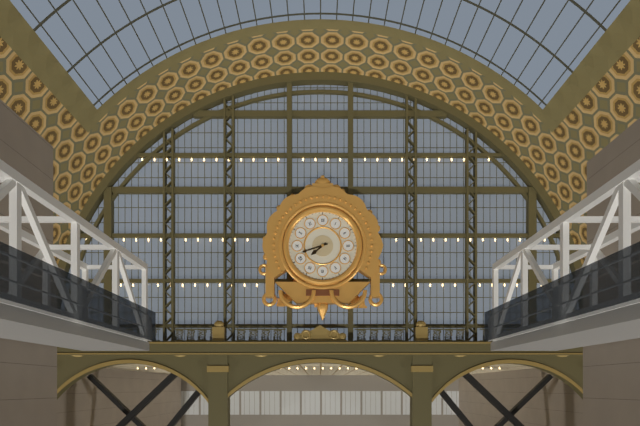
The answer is 7:42
